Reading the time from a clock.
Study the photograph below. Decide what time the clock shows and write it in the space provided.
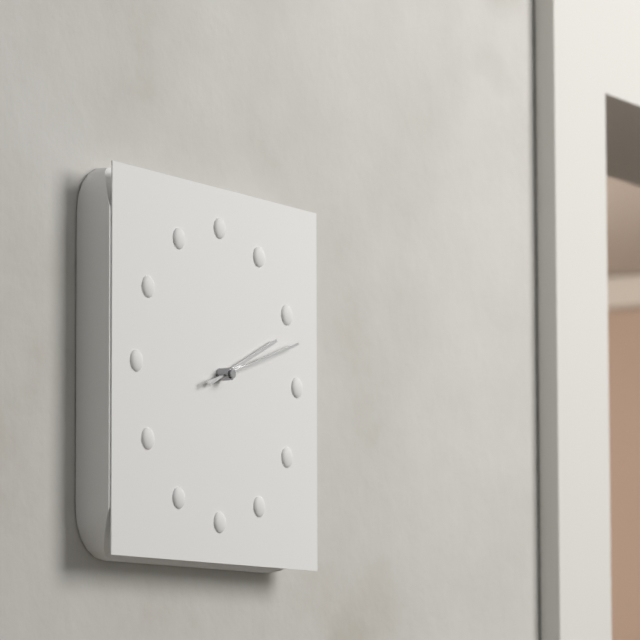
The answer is 2:12
